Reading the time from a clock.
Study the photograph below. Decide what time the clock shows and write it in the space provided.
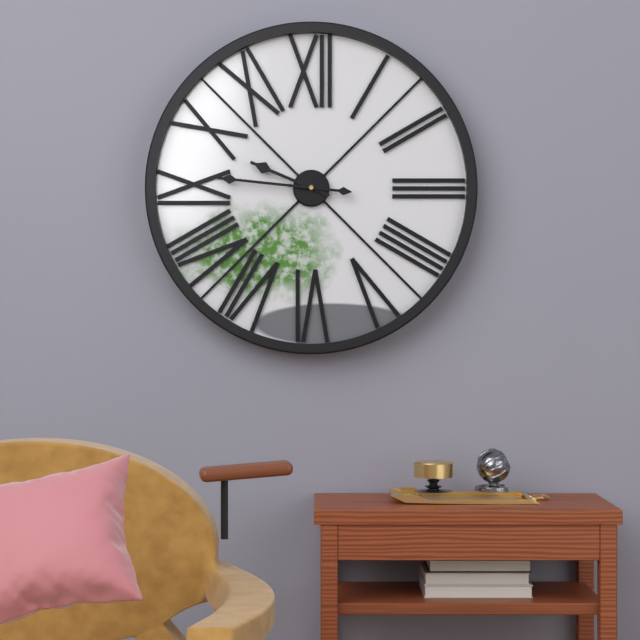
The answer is 9:46
